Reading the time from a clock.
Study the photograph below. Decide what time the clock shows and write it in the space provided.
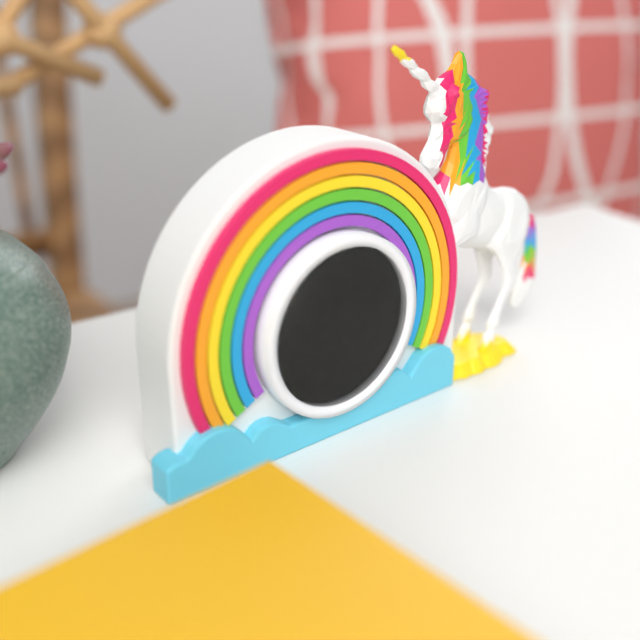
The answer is 7:34
